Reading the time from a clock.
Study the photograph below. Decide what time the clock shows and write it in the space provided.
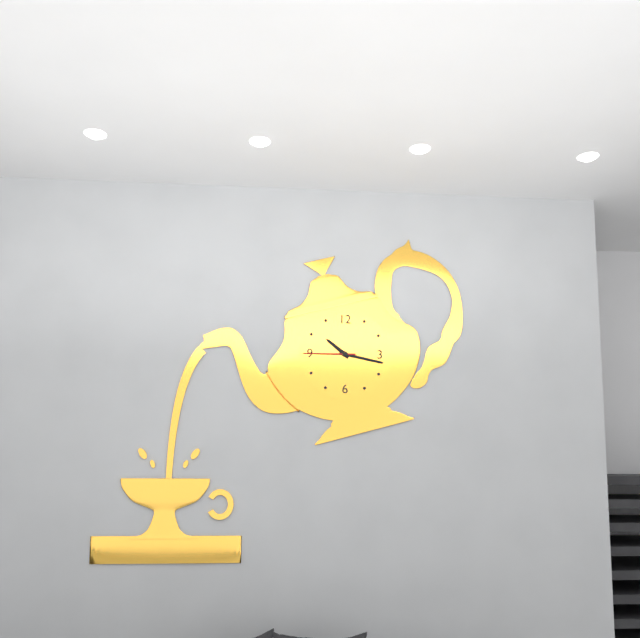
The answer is 10:17:45
